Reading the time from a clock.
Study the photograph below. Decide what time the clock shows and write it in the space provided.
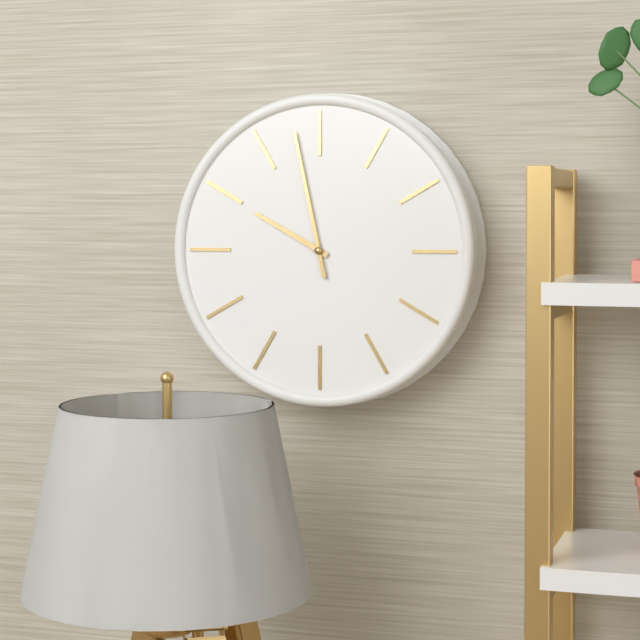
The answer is 9:58
